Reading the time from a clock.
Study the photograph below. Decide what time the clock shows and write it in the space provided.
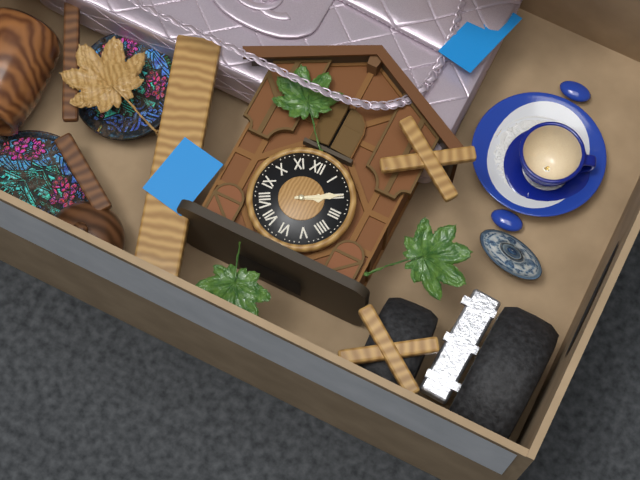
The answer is 2:10
